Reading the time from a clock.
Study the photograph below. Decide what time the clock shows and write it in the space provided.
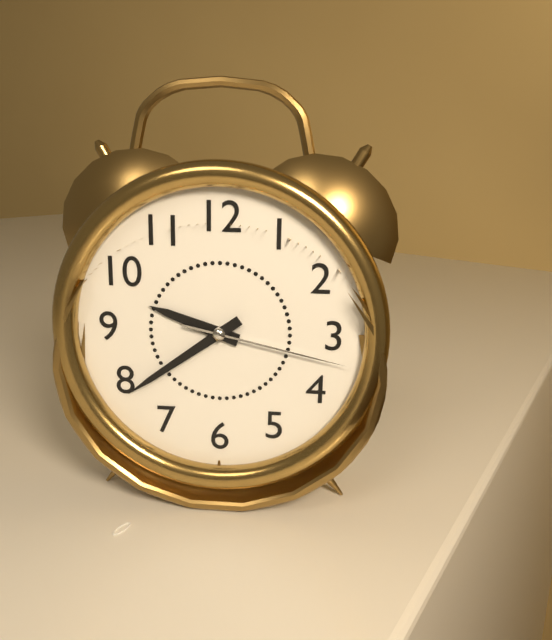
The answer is 9:39:17
